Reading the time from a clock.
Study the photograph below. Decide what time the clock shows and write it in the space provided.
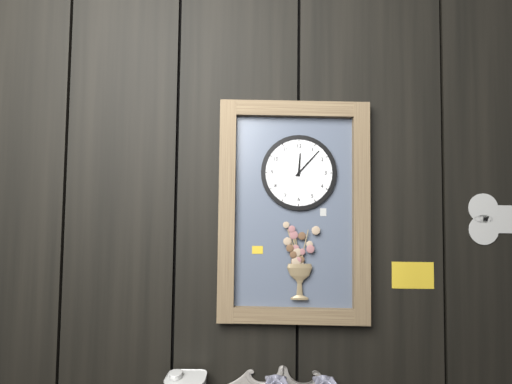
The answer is 12:07
